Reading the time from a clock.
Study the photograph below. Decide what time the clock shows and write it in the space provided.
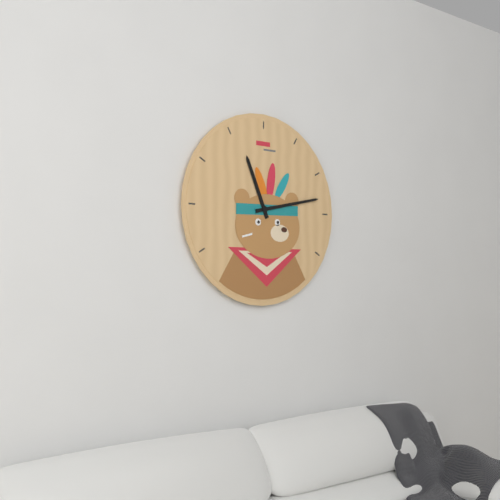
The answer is 11:13
